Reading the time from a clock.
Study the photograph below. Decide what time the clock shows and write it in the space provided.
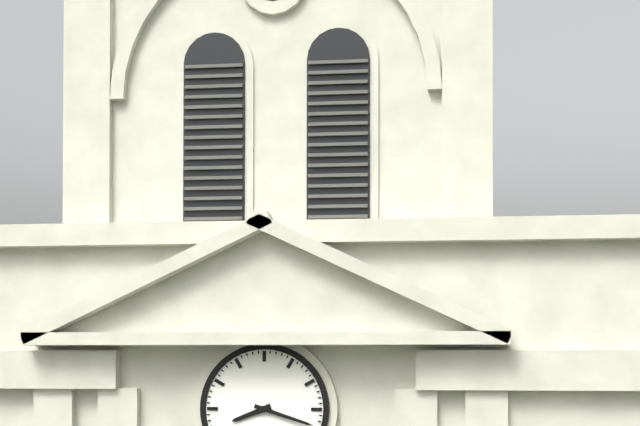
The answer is 8:18
